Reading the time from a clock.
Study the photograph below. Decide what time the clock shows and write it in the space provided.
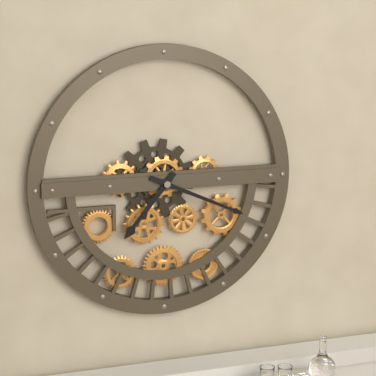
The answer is 7:19
